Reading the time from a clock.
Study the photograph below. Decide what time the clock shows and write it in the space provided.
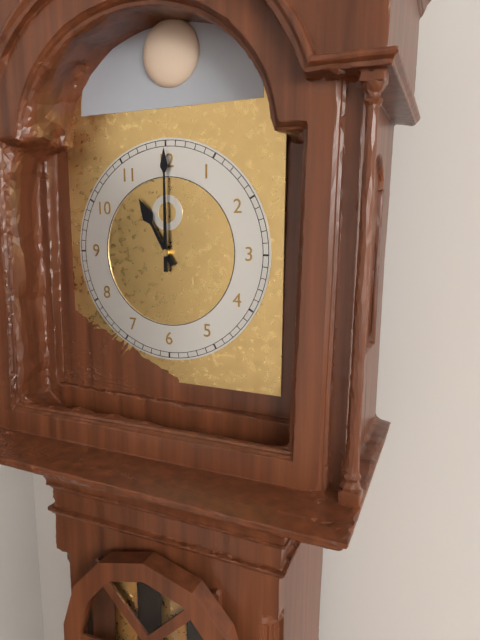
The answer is 11:00
